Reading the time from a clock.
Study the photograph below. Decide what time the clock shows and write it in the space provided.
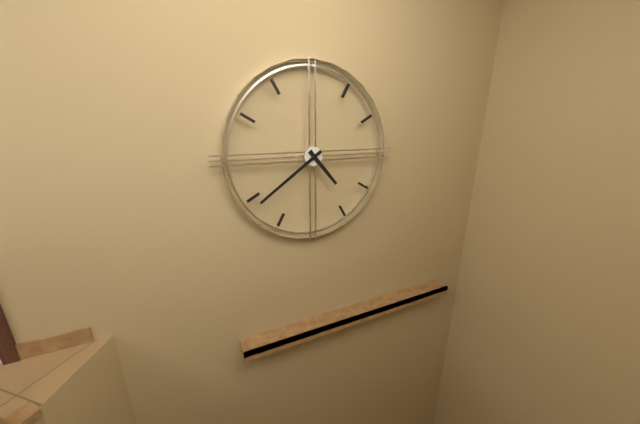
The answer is 4:39
